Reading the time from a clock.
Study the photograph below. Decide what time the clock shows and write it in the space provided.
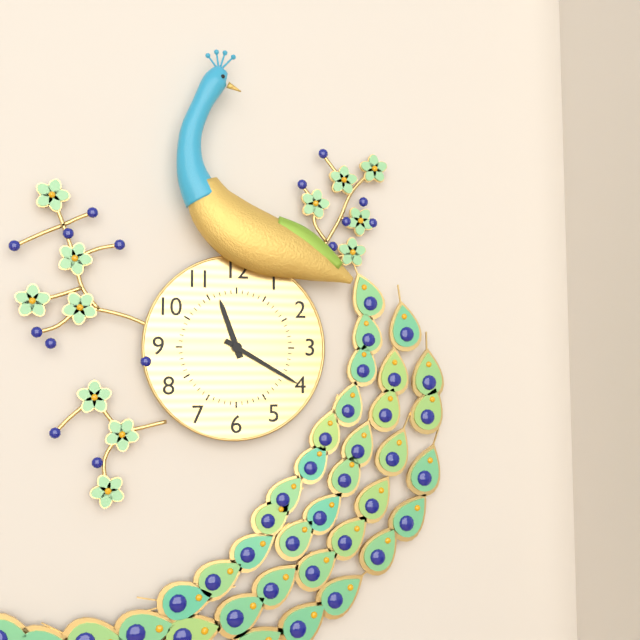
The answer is 11:20
